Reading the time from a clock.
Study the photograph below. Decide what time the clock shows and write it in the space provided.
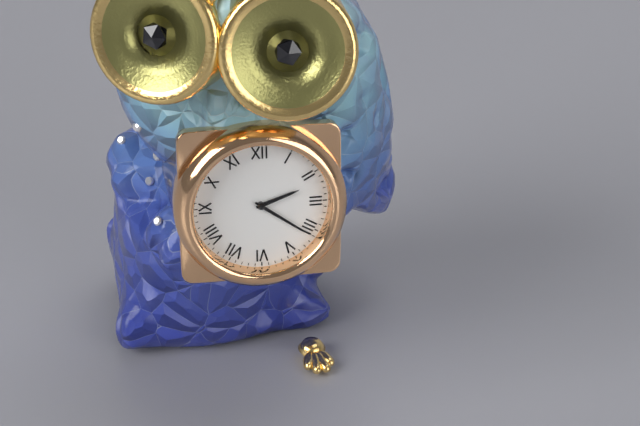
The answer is 2:21
